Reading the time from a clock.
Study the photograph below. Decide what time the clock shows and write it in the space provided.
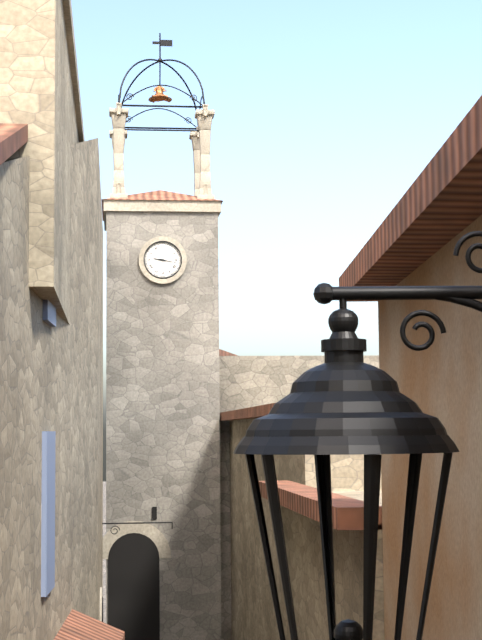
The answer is 9:17
